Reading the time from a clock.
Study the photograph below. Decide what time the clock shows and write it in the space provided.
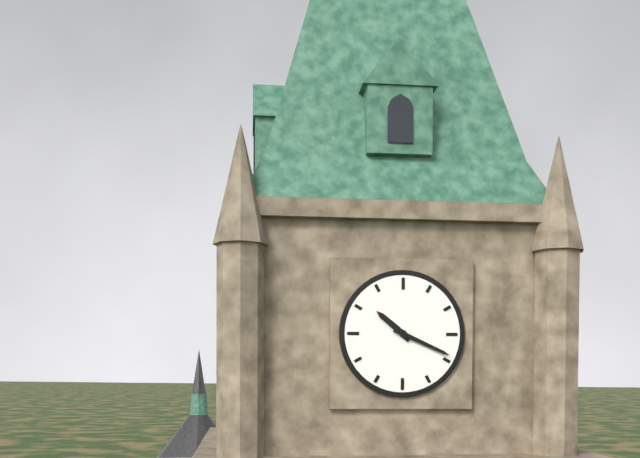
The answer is 10:19
